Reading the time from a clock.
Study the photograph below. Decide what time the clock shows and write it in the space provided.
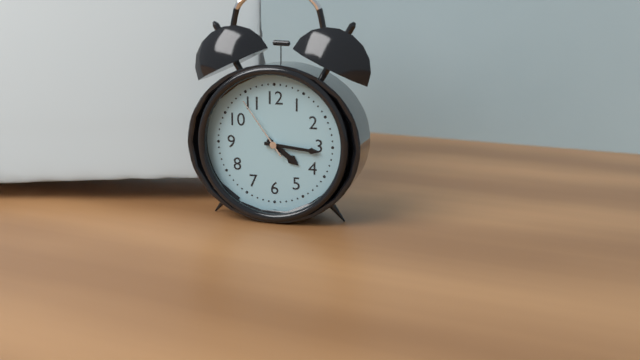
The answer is 4:16:54
